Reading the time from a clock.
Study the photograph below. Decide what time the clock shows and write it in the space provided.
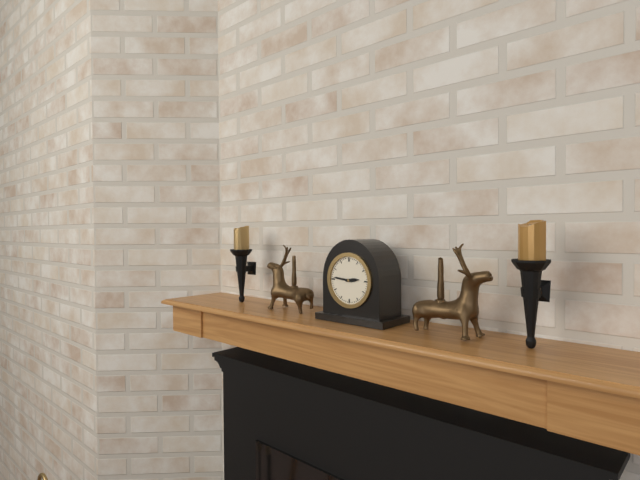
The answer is 2:46
